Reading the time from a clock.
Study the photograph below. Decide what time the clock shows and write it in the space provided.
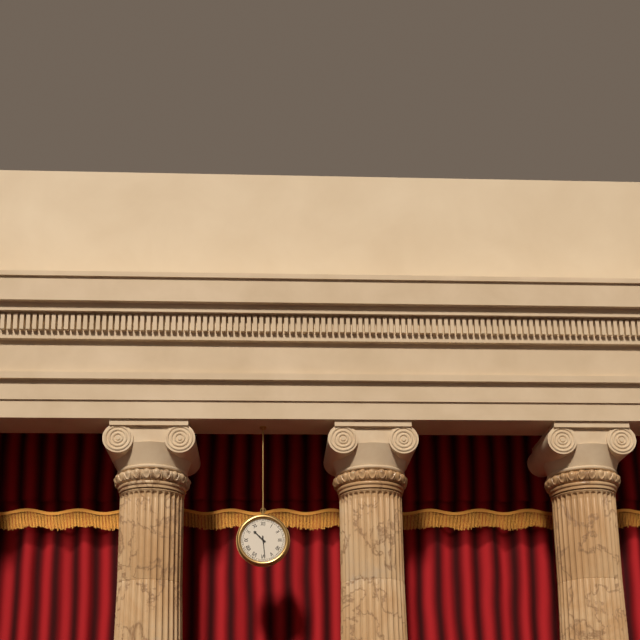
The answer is 10:29
